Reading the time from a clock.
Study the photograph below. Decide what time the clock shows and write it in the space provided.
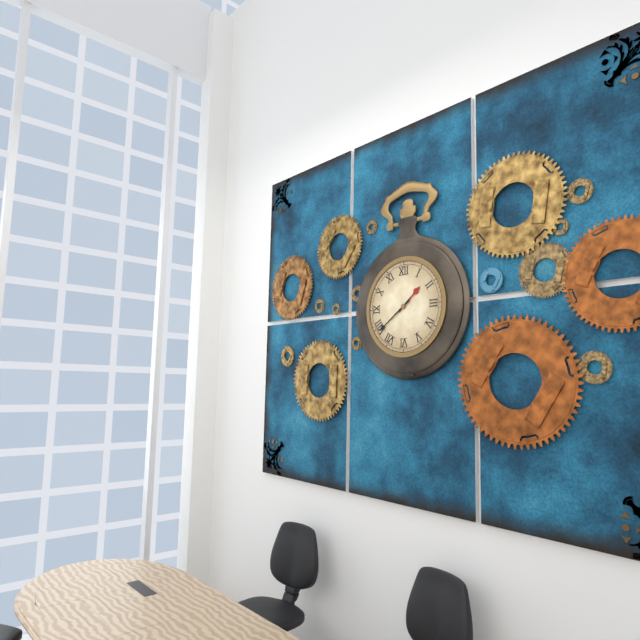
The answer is 1:39
